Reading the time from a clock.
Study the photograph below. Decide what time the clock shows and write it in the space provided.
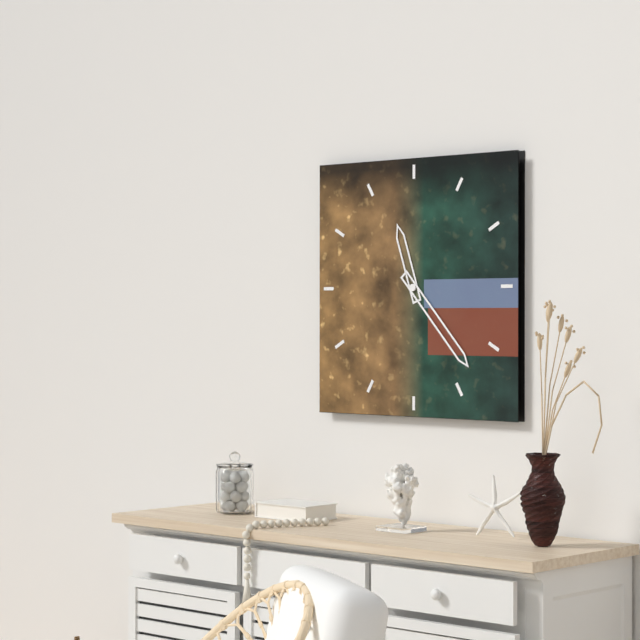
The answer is 11:23
